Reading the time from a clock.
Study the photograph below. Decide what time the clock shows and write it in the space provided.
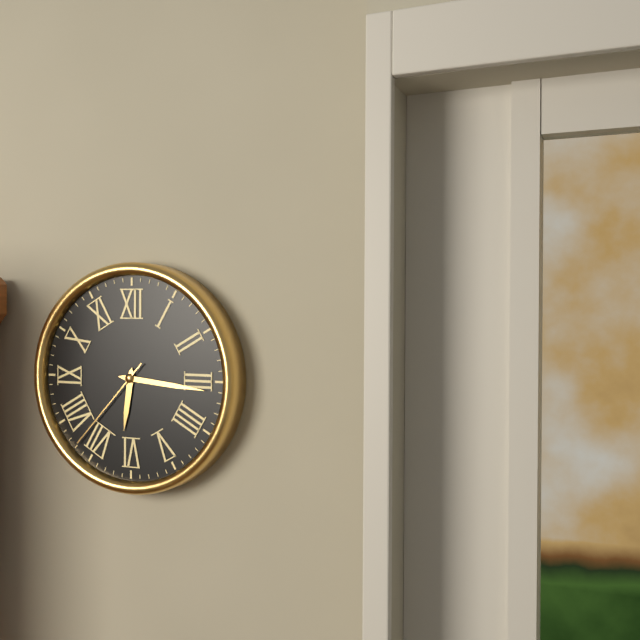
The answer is 6:16:37
